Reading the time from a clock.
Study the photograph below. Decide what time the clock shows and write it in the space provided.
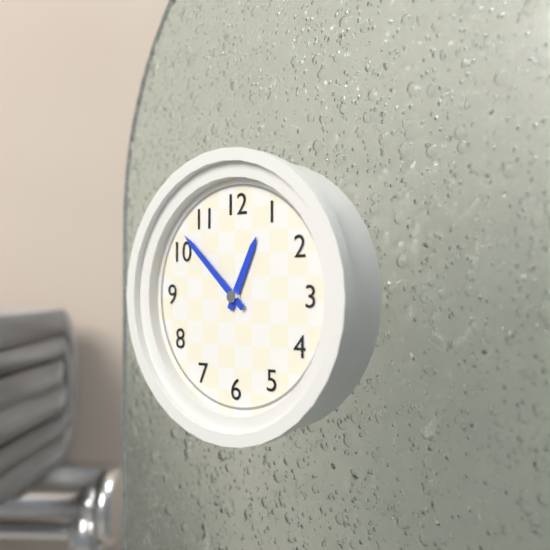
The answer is 12:52
